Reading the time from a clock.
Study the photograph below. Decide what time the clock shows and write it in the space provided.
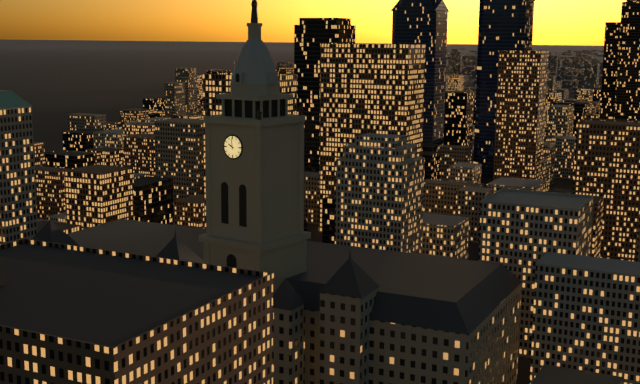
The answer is 9:59
